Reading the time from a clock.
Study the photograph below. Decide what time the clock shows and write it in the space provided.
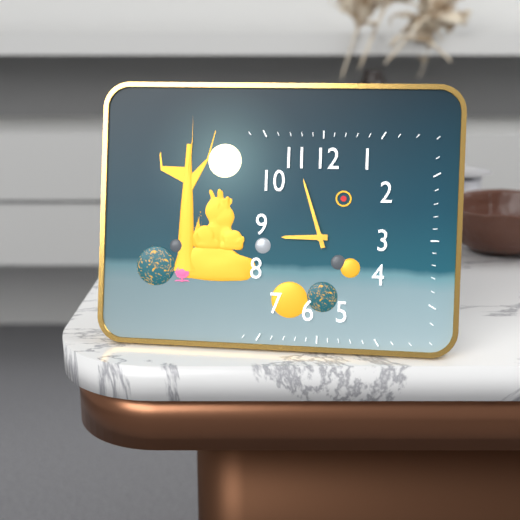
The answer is 8:57
